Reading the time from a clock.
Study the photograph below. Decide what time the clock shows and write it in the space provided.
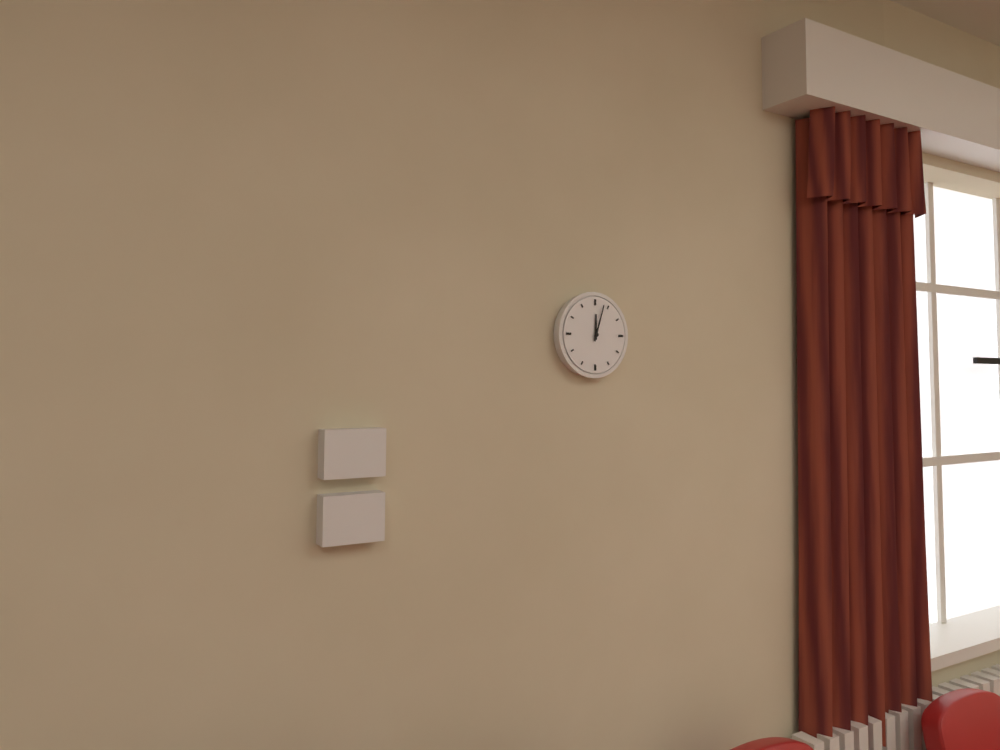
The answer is 12:03
